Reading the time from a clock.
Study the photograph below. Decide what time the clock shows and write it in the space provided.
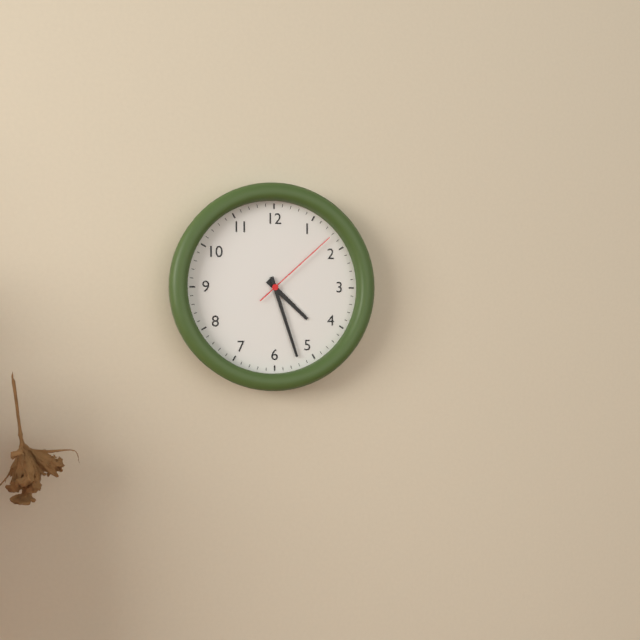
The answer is 4:27:08
